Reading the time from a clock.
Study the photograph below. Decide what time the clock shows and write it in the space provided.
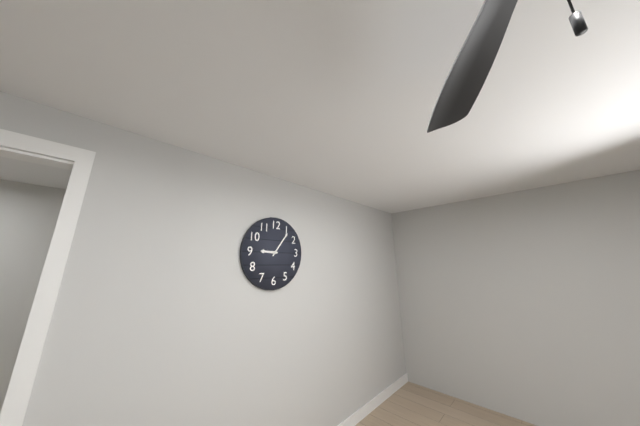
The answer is 9:06
